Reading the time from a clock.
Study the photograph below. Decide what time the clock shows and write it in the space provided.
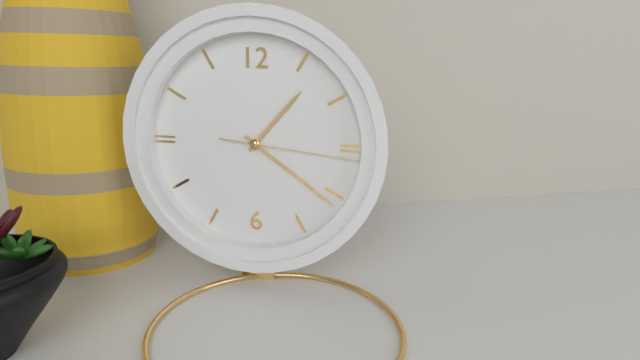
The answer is 1:21:16
